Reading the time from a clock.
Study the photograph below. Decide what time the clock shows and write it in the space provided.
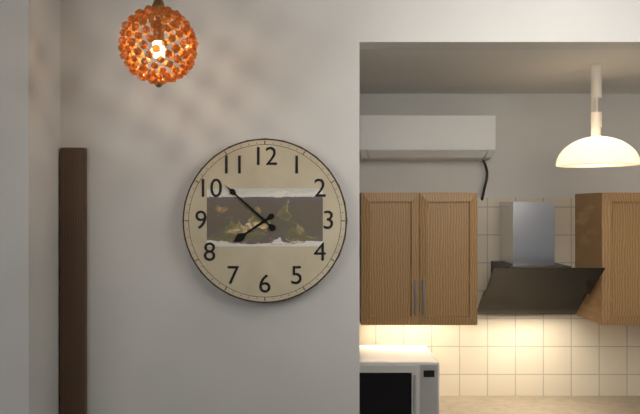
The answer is 7:52
